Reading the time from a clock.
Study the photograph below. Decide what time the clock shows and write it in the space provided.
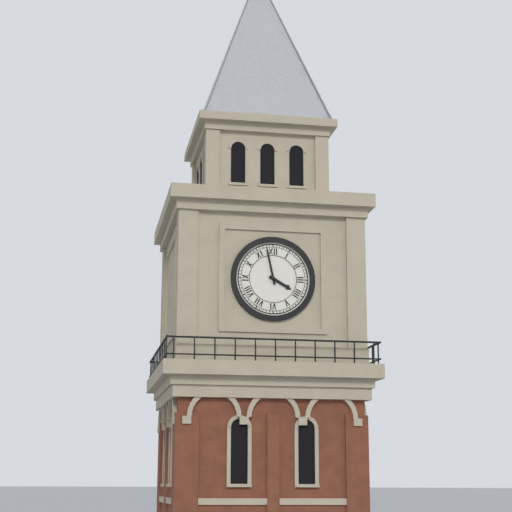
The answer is 3:58
